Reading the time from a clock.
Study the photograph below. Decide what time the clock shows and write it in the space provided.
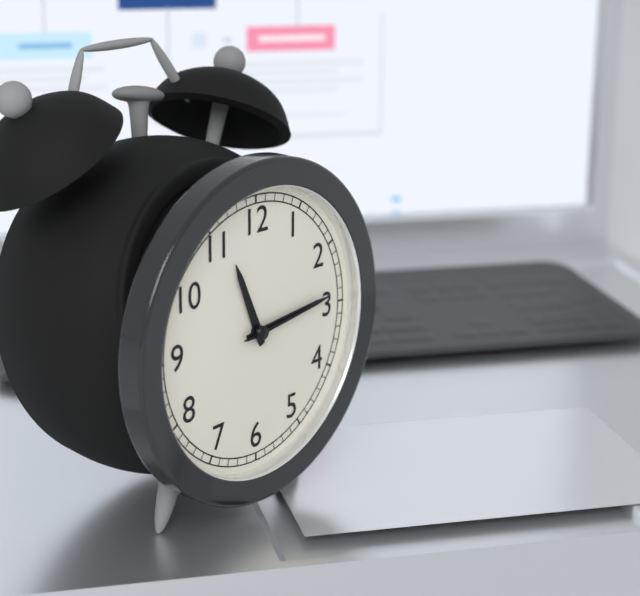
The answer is 11:14:14
